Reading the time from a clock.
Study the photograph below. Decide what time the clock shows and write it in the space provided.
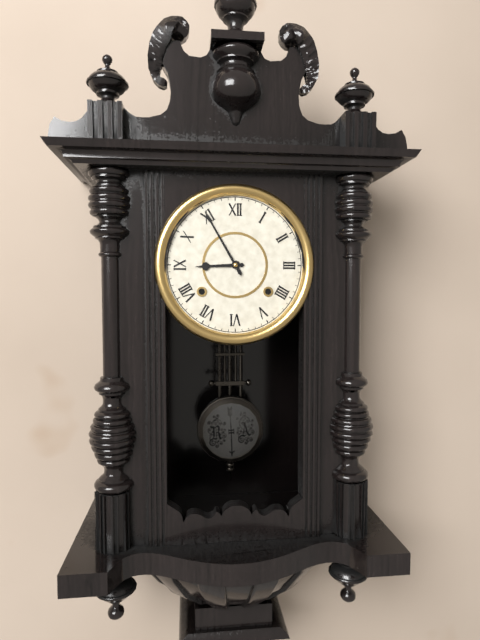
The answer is 8:55
